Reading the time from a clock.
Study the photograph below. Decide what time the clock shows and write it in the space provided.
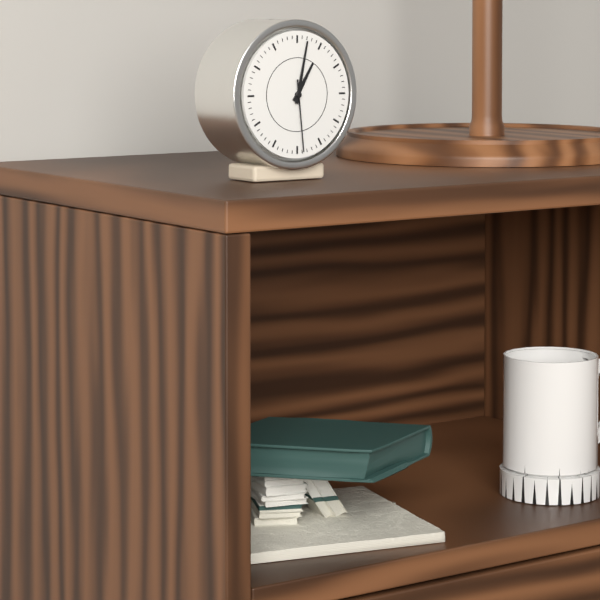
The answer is 1:02:29
